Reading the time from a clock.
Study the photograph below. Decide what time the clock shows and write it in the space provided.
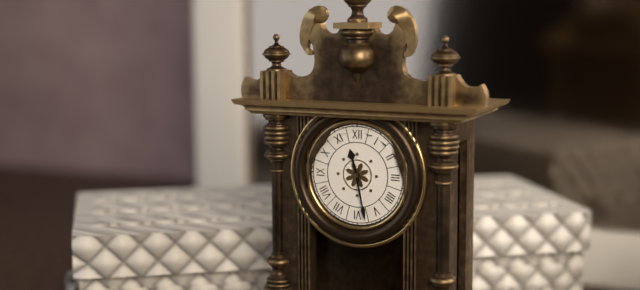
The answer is 11:28
